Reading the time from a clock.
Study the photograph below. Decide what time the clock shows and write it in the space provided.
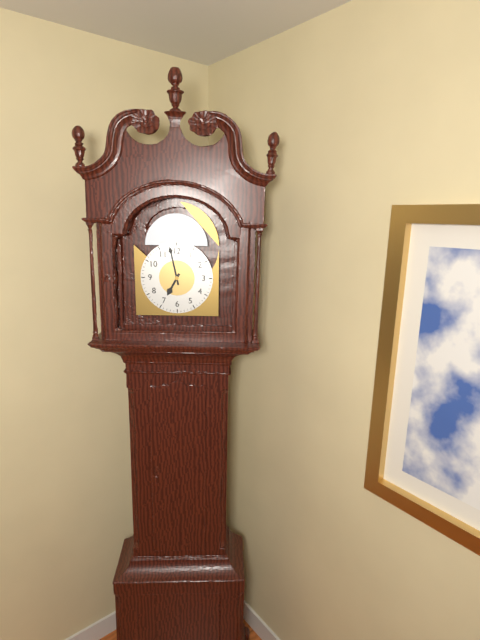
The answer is 6:58
